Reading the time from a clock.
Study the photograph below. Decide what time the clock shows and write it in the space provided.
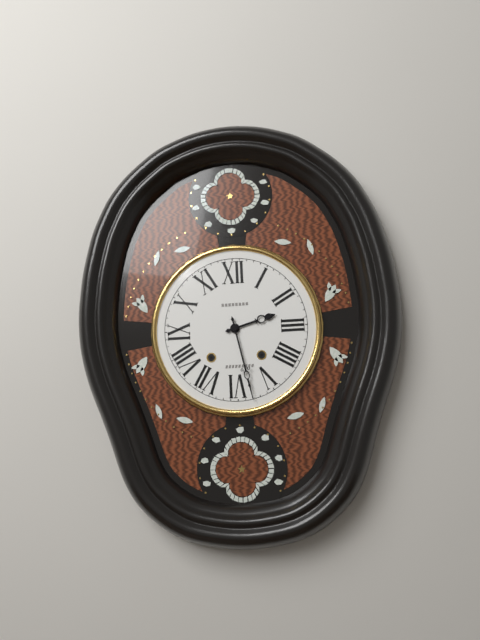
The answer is 2:28
